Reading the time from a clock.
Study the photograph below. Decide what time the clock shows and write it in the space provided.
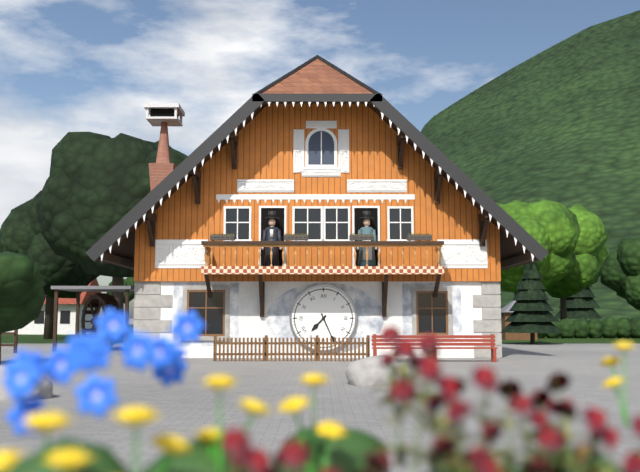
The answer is 7:26
